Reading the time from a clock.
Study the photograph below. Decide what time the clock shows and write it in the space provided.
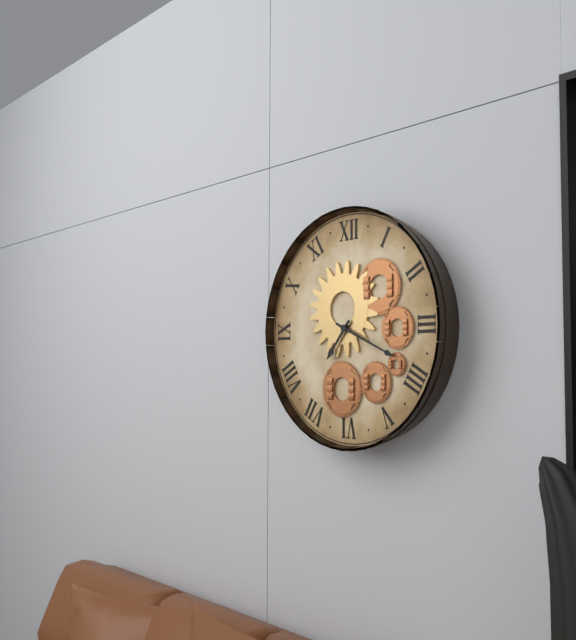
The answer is 7:19
